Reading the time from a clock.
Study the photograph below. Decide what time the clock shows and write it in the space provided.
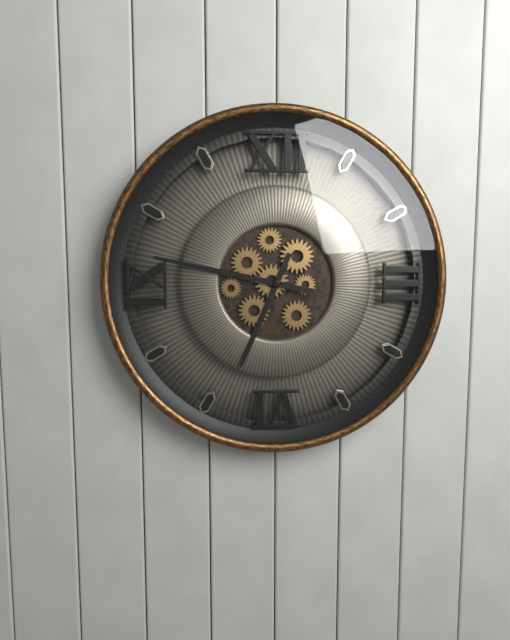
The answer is 6:47
